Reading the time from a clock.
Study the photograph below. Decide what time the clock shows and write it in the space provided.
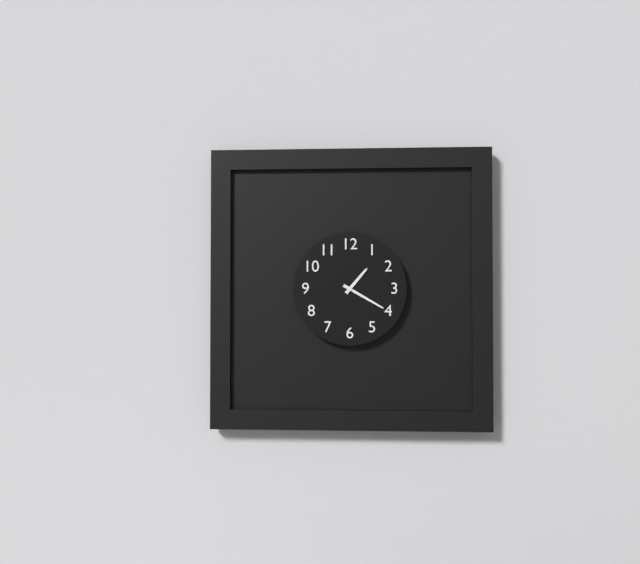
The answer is 1:20
